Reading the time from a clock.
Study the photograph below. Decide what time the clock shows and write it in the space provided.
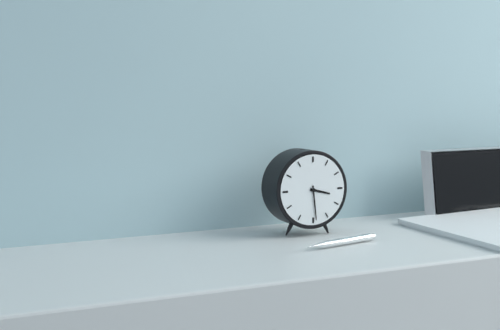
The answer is 3:29
